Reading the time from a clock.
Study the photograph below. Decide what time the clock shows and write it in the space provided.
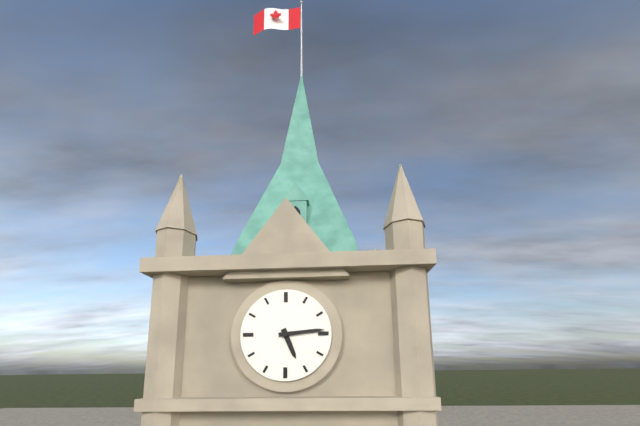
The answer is 5:14
